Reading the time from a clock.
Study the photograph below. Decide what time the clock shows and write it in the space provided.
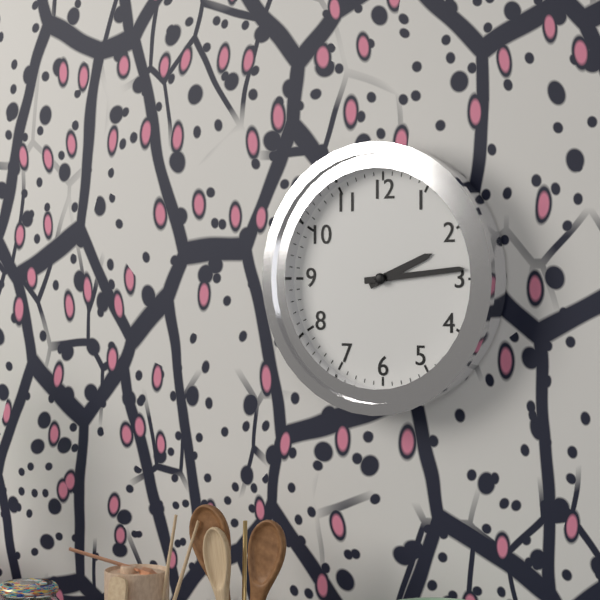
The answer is 2:14
